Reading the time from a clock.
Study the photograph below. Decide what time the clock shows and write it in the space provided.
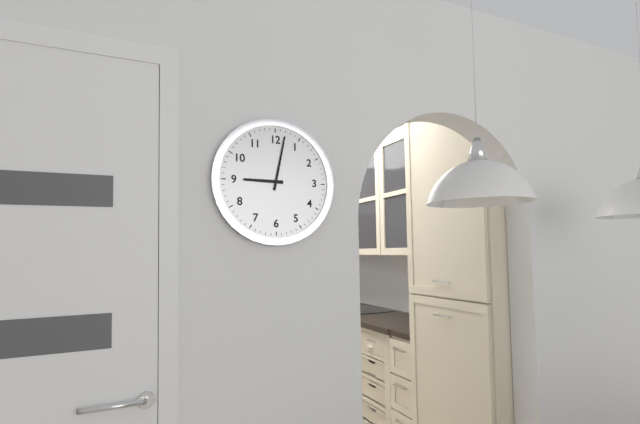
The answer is 9:02
